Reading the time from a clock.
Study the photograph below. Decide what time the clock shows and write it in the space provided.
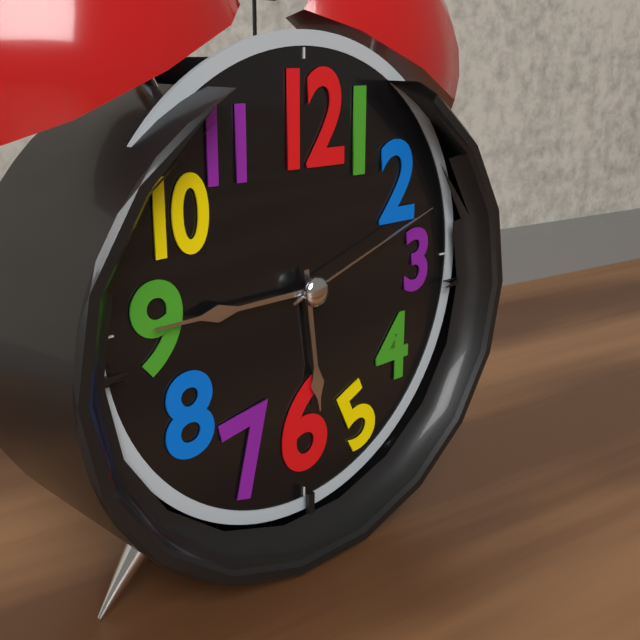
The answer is 5:45:12
